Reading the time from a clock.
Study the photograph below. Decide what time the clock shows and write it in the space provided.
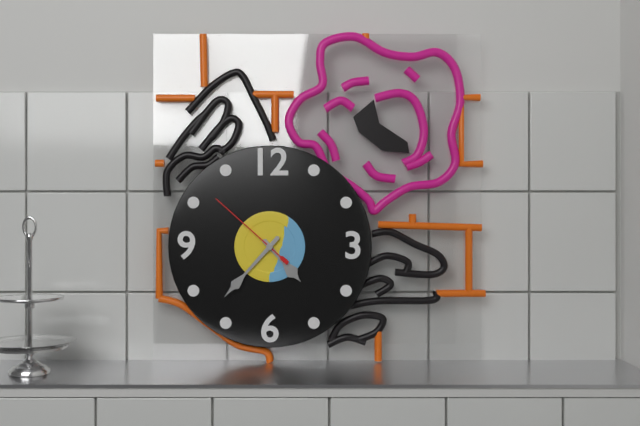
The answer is 4:37:52
